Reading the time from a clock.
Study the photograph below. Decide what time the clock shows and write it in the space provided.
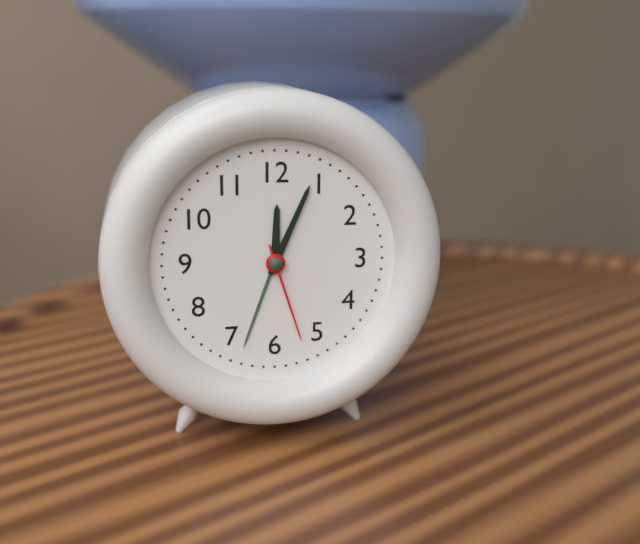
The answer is 12:04:27
